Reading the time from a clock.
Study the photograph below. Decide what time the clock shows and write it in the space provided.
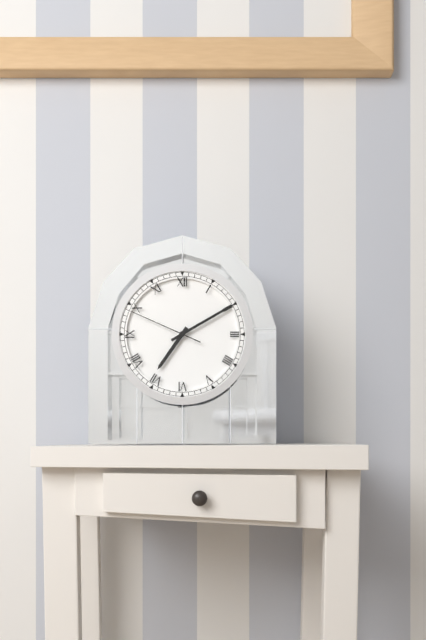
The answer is 7:10:49
